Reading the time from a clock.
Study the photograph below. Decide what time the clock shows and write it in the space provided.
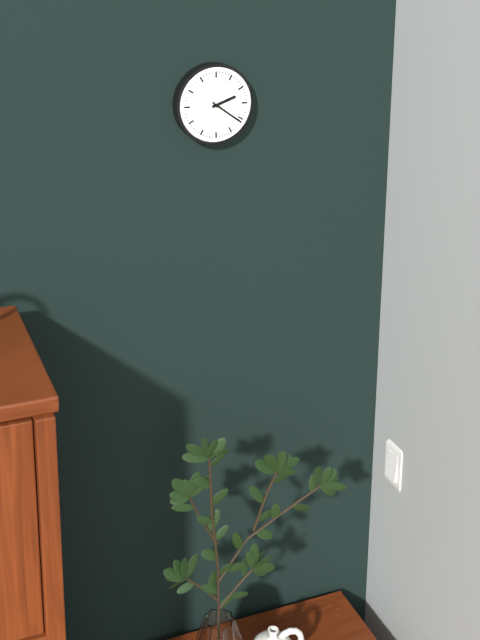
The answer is 2:21
